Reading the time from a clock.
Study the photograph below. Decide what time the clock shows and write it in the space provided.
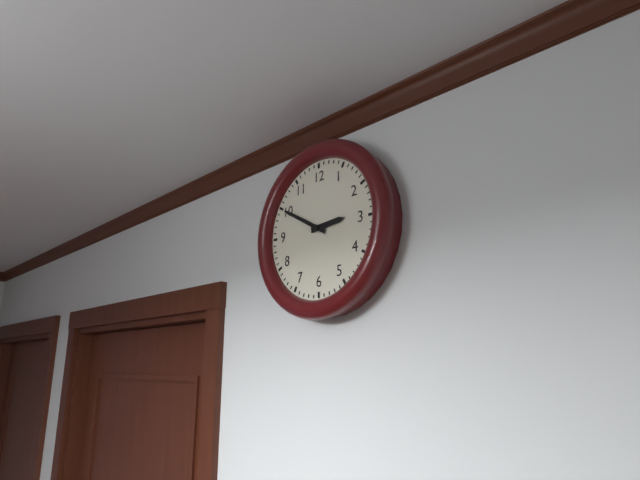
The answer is 2:50
